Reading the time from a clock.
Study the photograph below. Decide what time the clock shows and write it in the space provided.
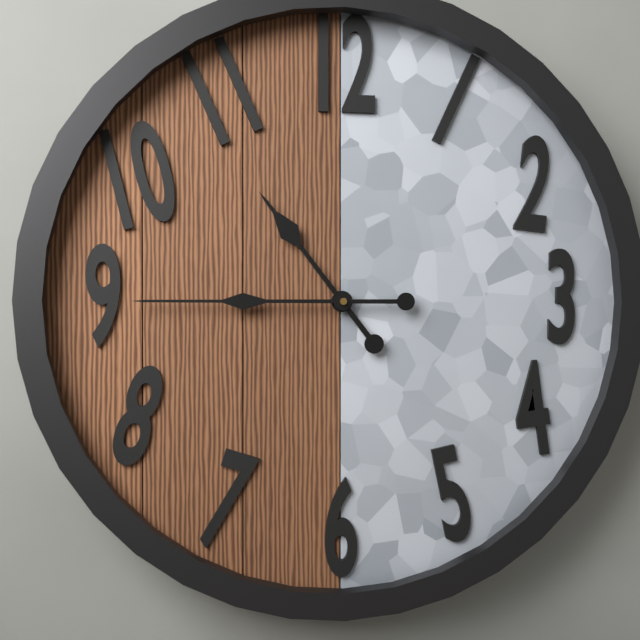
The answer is 10:45
